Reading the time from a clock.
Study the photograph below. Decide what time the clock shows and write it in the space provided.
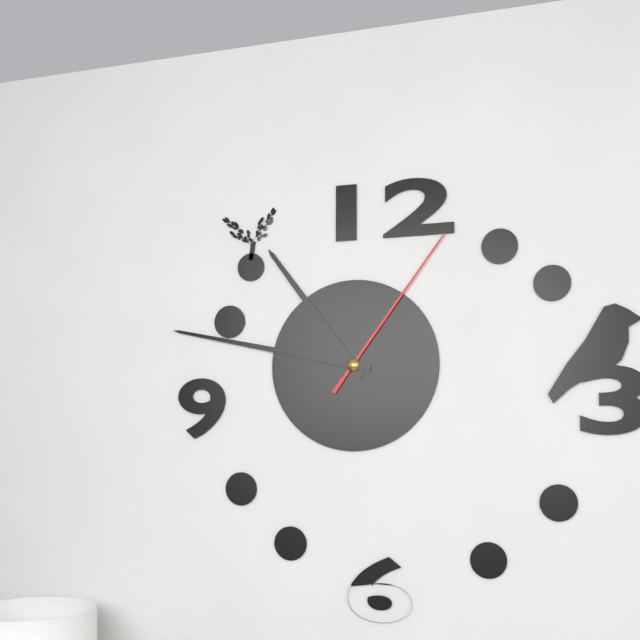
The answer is 10:47:06
